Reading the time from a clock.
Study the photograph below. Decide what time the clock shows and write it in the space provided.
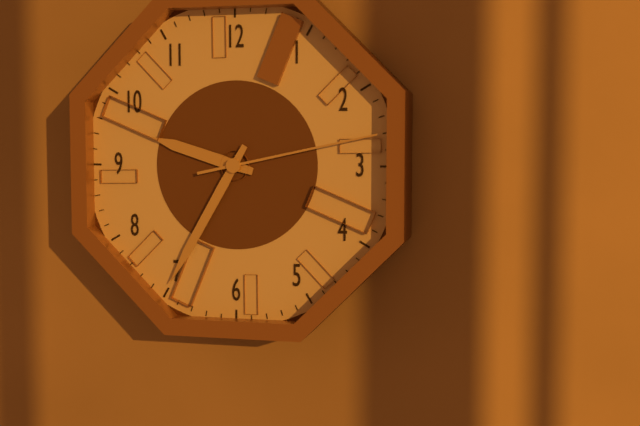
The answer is 9:35:13
